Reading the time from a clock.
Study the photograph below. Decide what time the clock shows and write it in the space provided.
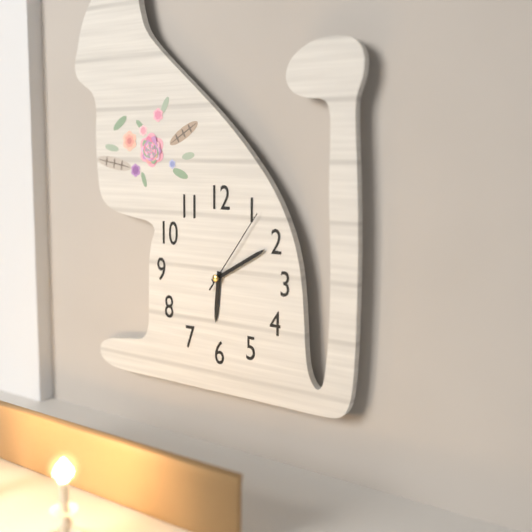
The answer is 6:10:06
